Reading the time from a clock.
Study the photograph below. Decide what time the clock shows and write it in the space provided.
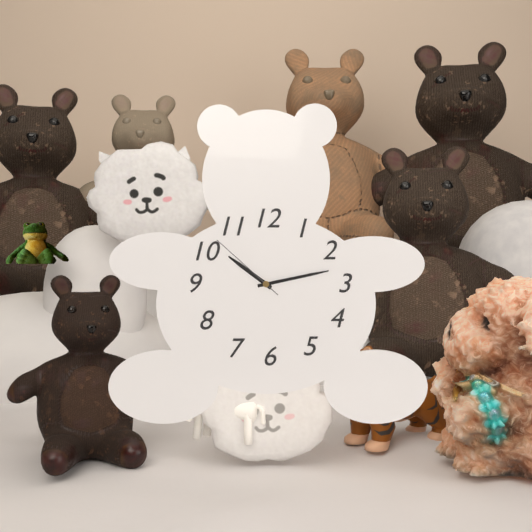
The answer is 10:13:52
